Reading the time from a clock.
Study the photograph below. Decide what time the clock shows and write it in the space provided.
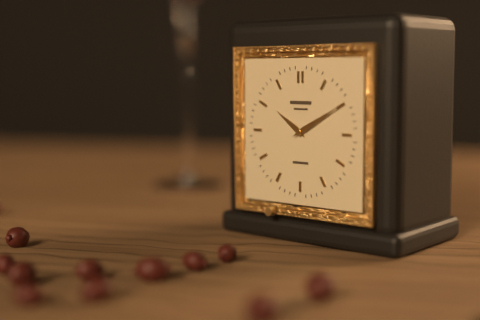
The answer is 10:10
